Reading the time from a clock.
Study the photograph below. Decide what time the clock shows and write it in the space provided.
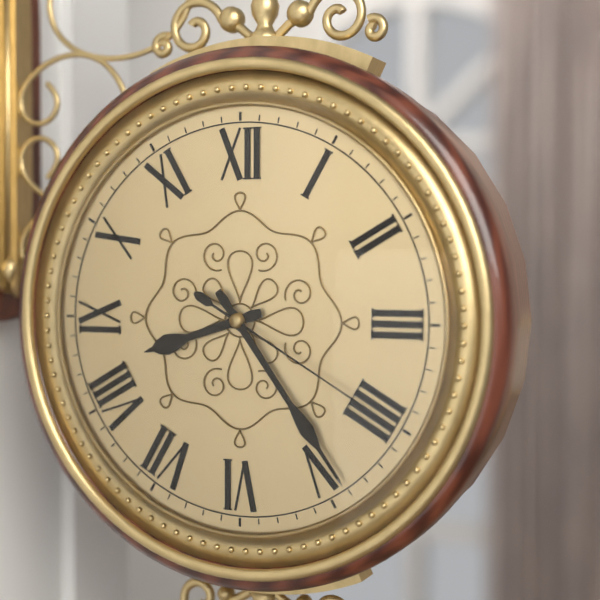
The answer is 8:24:20
